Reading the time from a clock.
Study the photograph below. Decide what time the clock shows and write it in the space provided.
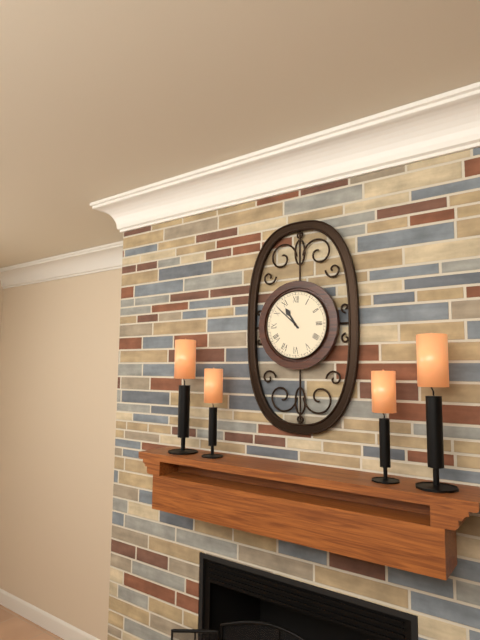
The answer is 10:52
